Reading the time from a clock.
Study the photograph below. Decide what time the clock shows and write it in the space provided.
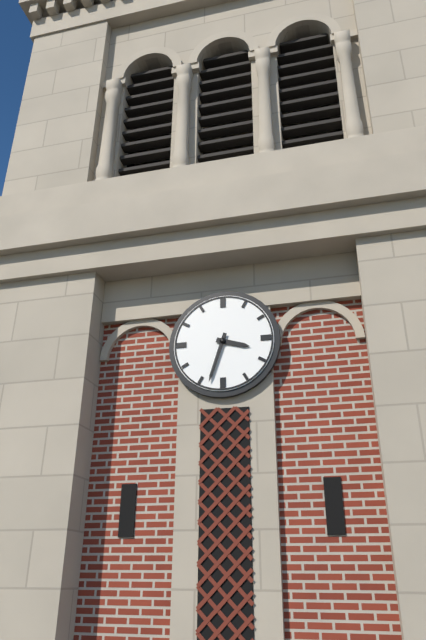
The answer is 3:33
